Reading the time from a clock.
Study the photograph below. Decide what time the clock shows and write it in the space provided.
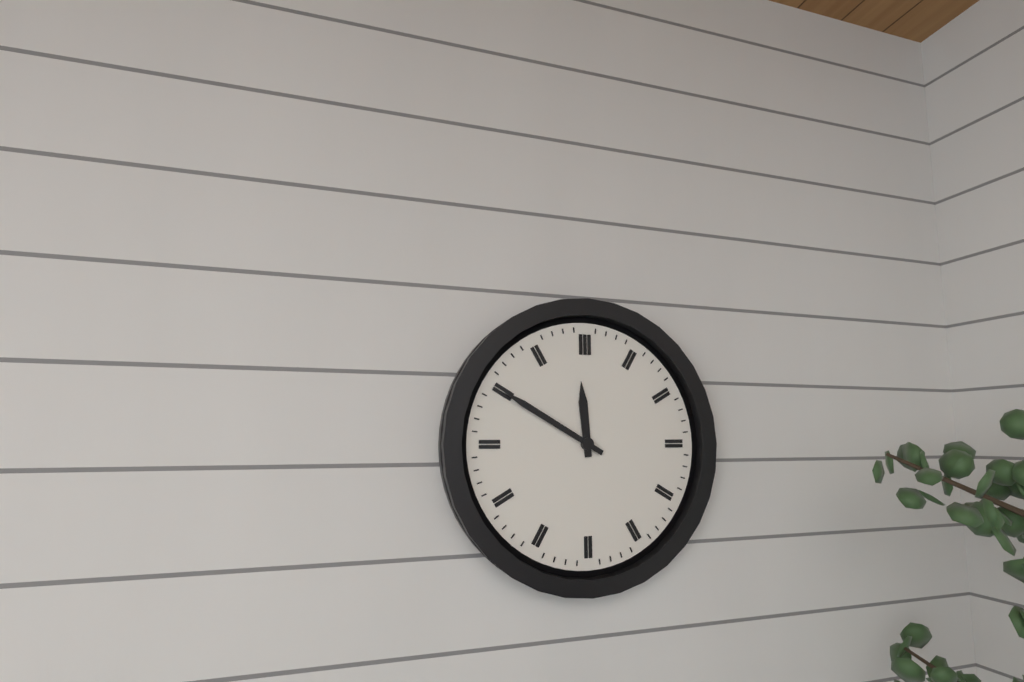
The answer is 11:50
